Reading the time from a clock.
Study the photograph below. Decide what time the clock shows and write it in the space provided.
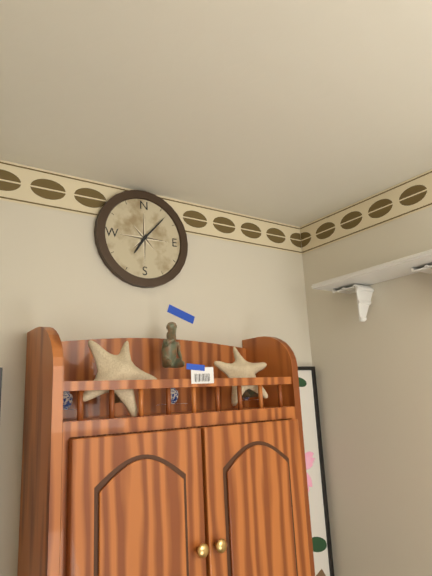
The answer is 7:07
